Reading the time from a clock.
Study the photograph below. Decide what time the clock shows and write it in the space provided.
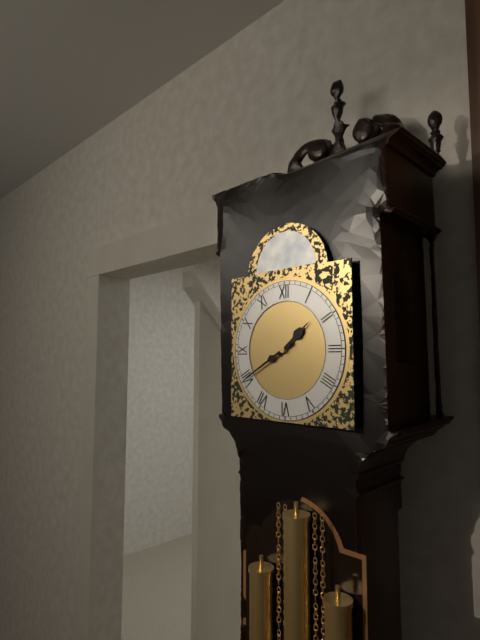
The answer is 1:40
